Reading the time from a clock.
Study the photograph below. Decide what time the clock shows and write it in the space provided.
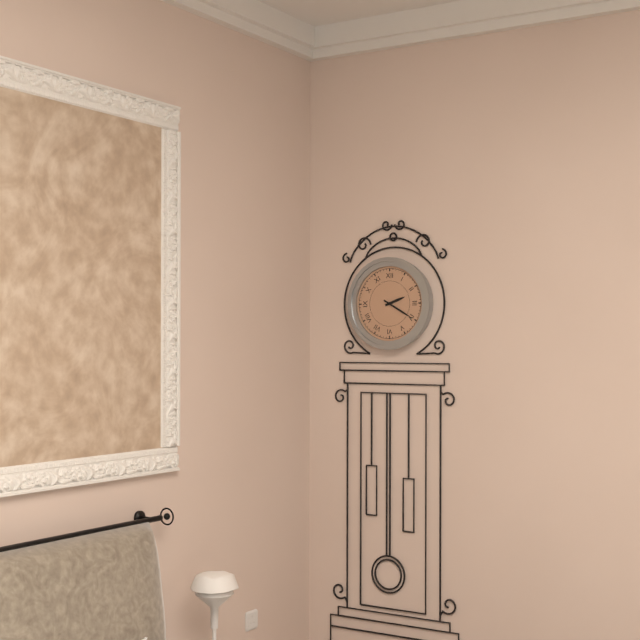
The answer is 2:20
